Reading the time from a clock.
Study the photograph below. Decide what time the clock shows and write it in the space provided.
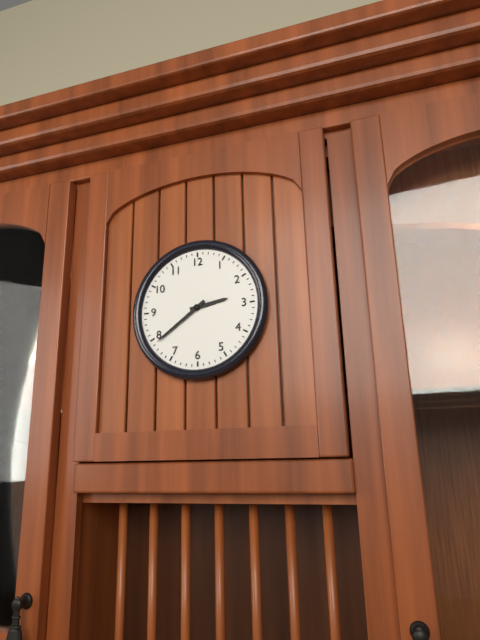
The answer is 2:39
